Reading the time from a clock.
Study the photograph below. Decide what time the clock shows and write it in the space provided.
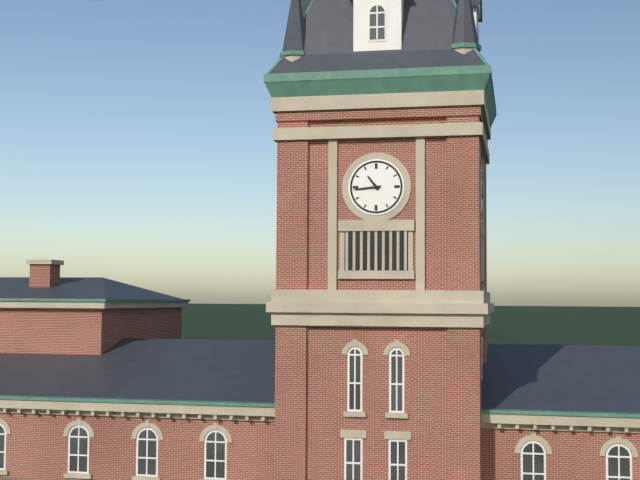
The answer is 10:44
